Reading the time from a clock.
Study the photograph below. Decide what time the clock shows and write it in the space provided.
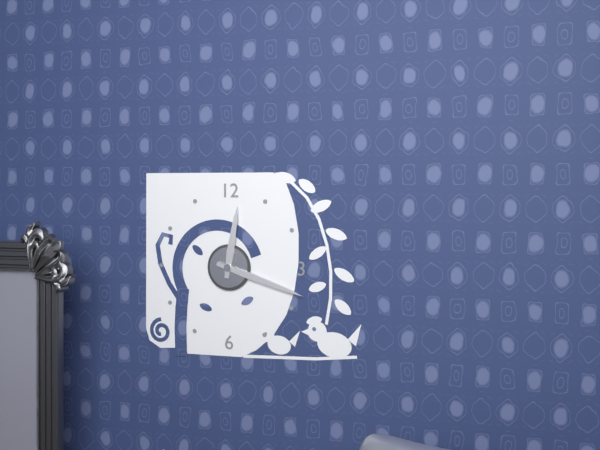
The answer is 12:18
